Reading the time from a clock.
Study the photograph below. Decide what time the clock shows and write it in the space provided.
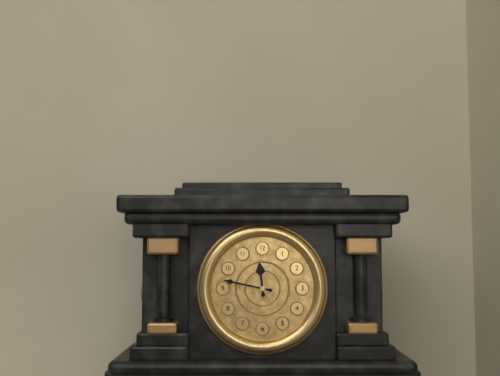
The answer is 11:47
